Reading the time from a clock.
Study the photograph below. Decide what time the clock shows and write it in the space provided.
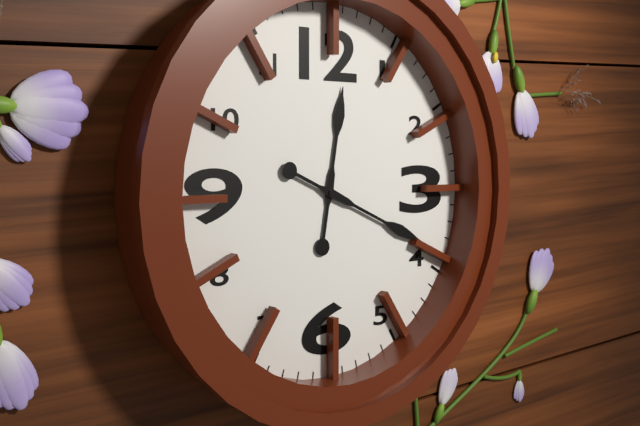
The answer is 12:19
